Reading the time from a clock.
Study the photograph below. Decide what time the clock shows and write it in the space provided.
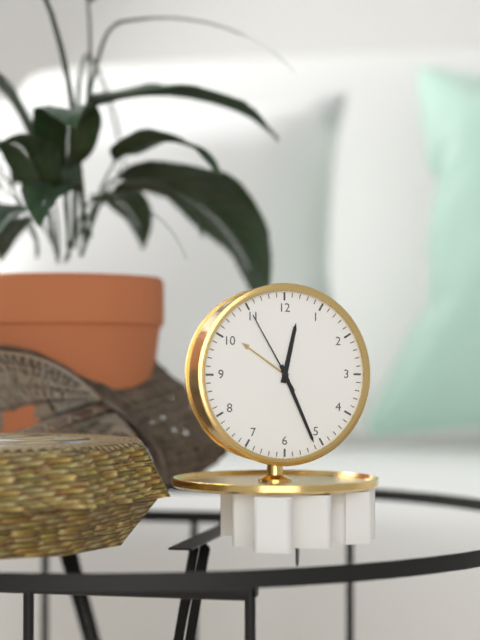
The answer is 12:26:55
